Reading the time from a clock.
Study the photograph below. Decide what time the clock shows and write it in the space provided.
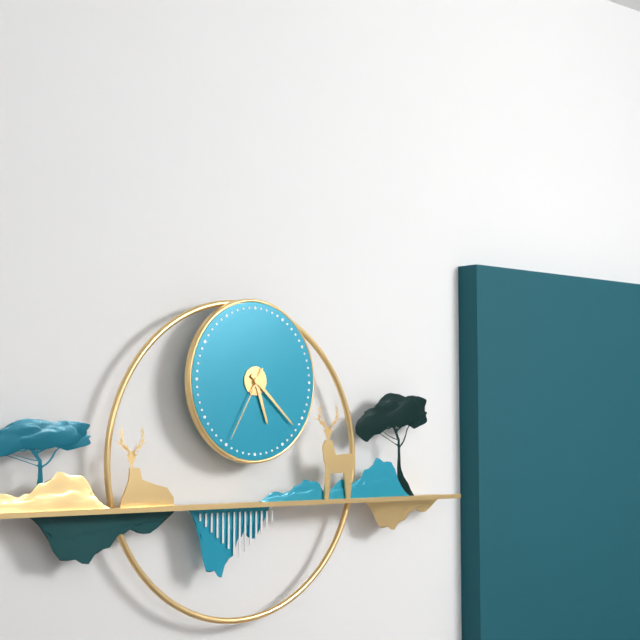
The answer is 5:22:35
